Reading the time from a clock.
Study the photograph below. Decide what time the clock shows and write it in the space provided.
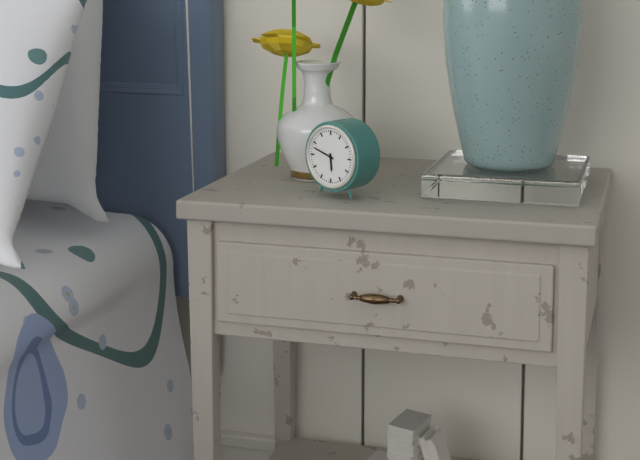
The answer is 5:48
